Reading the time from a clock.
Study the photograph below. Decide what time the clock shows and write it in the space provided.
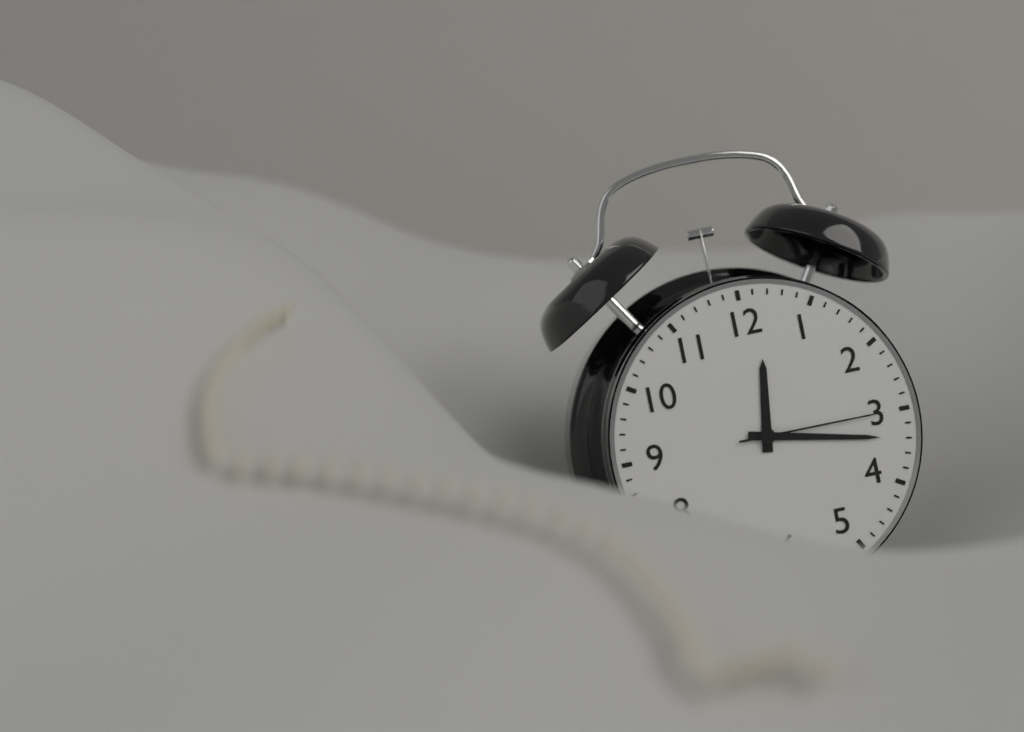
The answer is 12:17:15
